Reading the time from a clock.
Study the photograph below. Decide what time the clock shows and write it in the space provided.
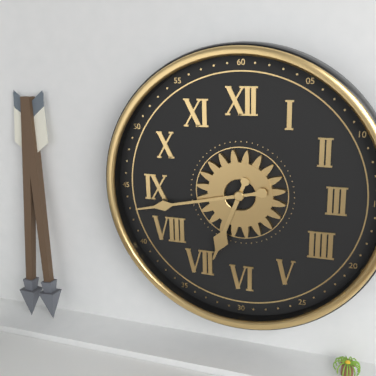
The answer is 6:43
